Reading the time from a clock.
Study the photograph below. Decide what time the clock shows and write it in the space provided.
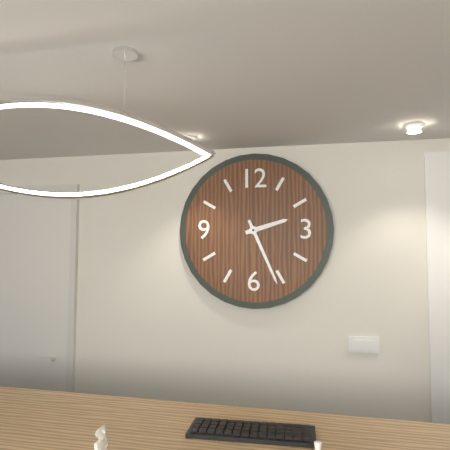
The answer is 2:26
